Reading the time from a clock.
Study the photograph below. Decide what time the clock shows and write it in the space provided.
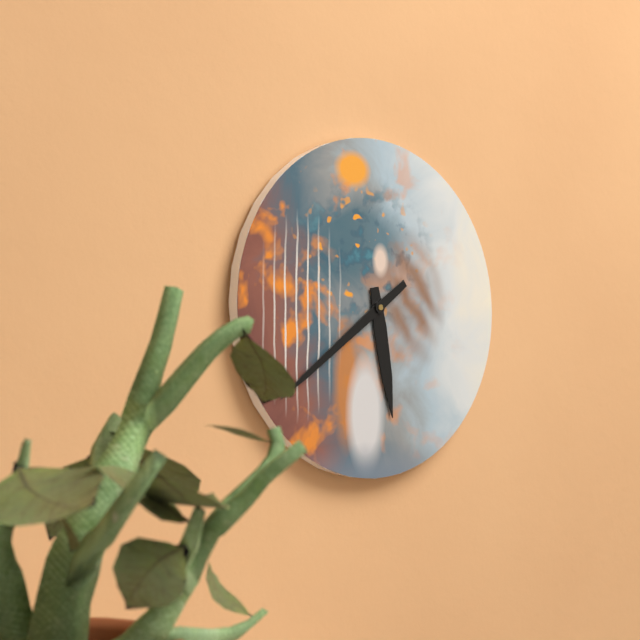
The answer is 5:39
